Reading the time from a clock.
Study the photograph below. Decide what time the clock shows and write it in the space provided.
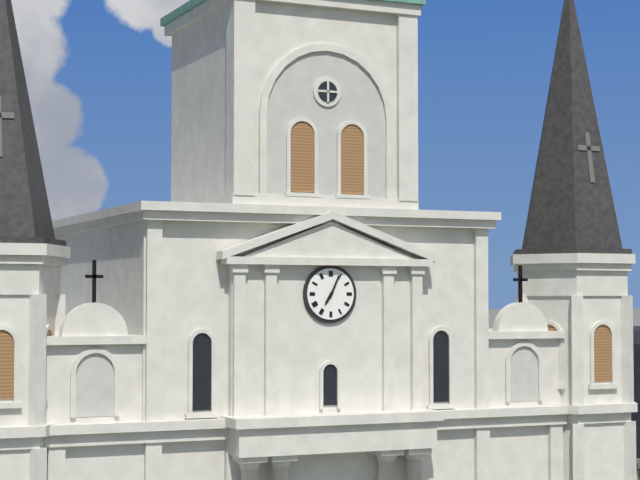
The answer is 7:04
